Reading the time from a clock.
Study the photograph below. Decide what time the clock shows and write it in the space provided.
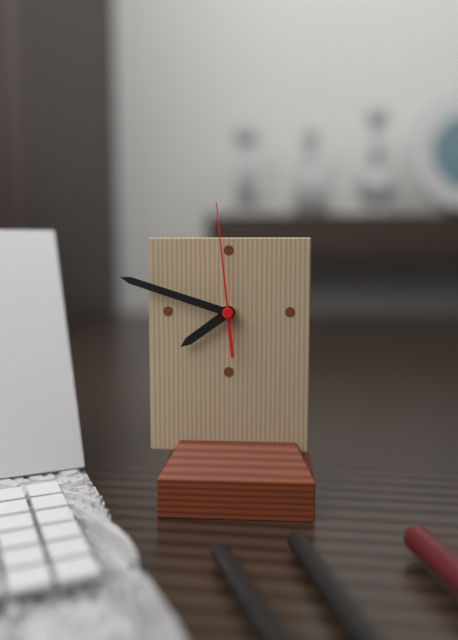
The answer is 7:48:59
